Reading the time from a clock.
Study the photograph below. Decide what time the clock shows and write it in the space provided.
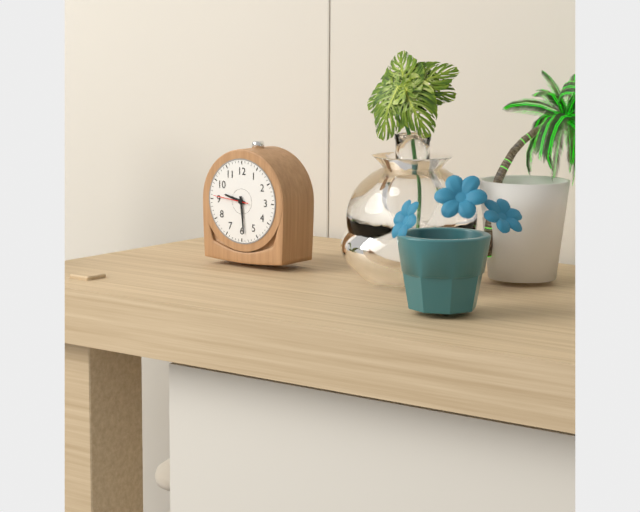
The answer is 9:29
